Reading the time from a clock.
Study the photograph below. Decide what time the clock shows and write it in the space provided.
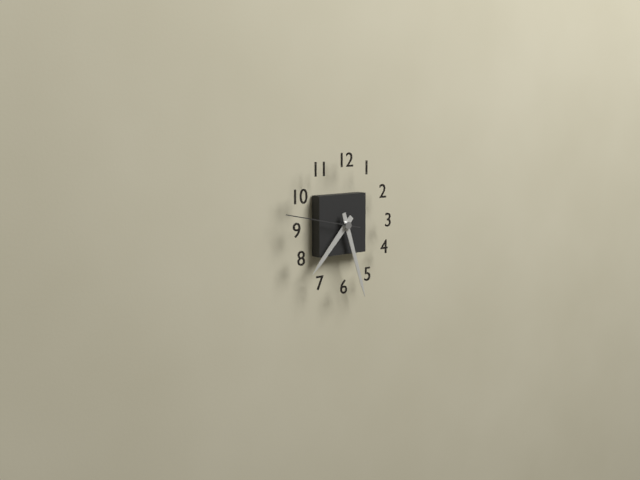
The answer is 7:27:47
